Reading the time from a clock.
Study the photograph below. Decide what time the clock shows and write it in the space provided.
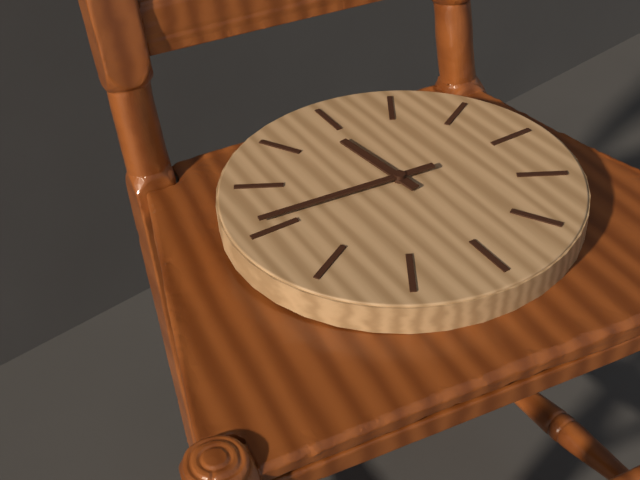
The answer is 11:46
